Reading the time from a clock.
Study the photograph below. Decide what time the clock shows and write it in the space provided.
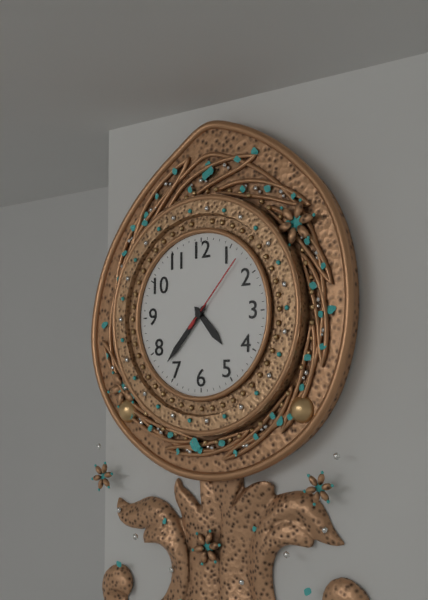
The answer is 4:37:07
